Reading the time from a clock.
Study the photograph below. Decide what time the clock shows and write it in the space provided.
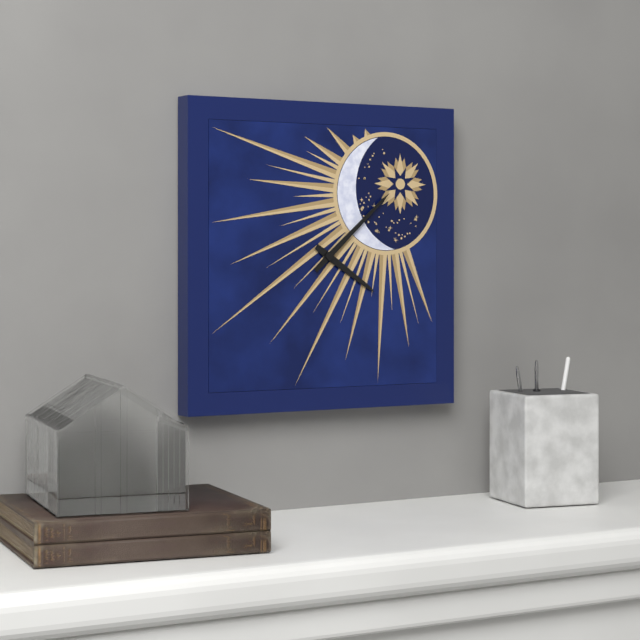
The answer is 4:08
